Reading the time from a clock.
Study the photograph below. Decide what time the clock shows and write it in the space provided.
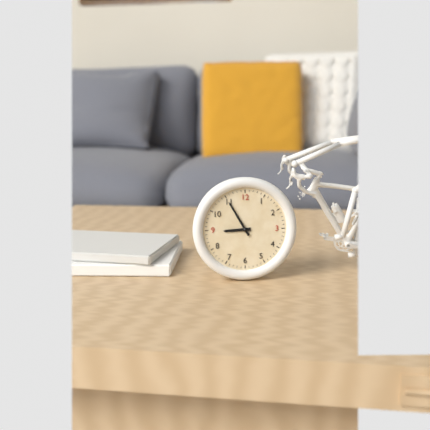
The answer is 8:55
